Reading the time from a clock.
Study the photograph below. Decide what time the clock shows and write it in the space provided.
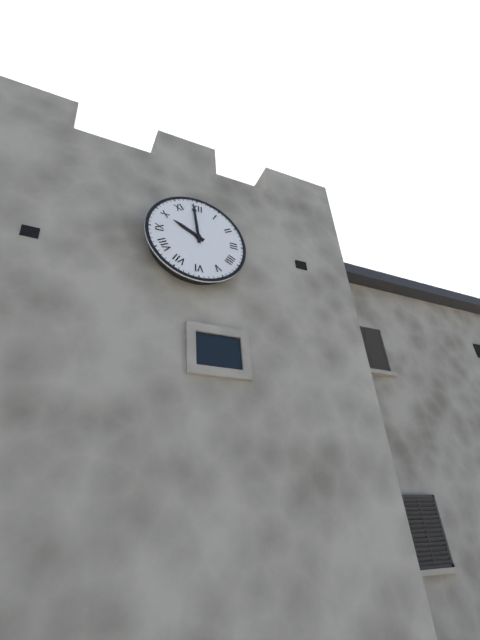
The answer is 9:59
